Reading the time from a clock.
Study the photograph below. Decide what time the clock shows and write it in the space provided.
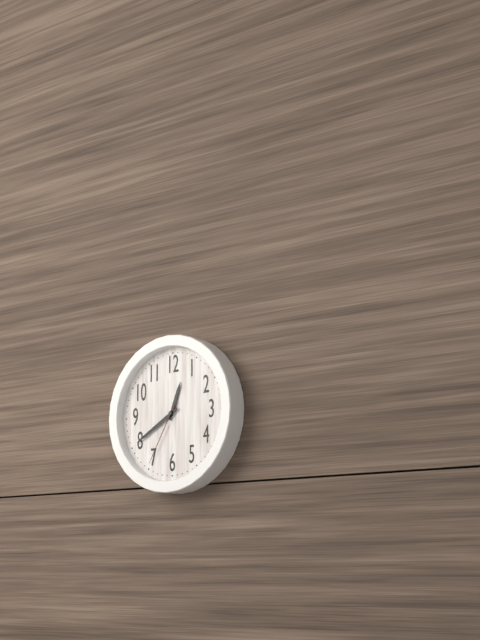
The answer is 12:40:35
